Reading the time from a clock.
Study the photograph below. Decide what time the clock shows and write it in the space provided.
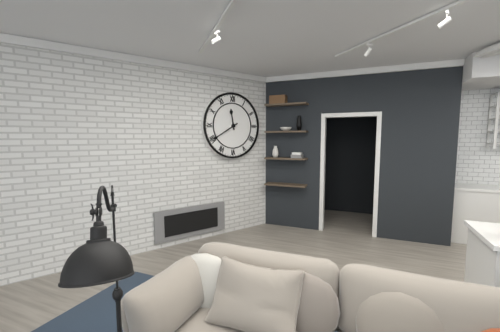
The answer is 11:40
